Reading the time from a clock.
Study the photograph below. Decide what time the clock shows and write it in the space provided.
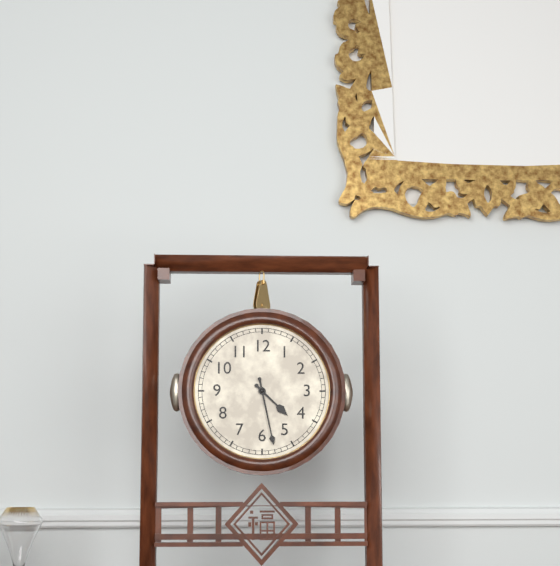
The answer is 4:28
